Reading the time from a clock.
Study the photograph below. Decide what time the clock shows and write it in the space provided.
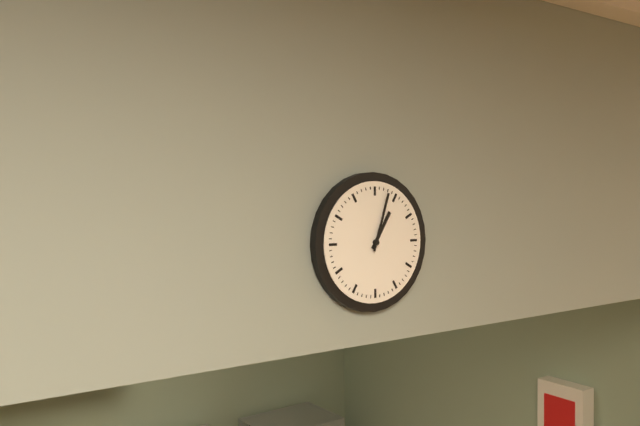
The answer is 1:03
